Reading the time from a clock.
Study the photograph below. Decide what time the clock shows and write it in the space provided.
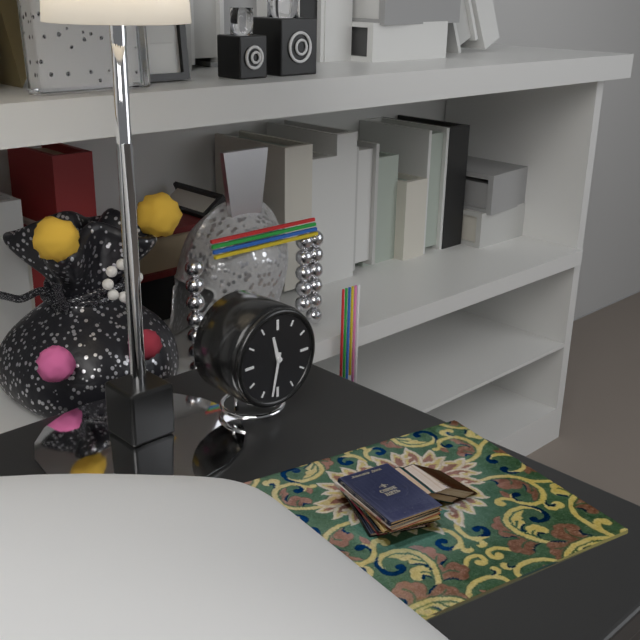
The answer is 11:32
